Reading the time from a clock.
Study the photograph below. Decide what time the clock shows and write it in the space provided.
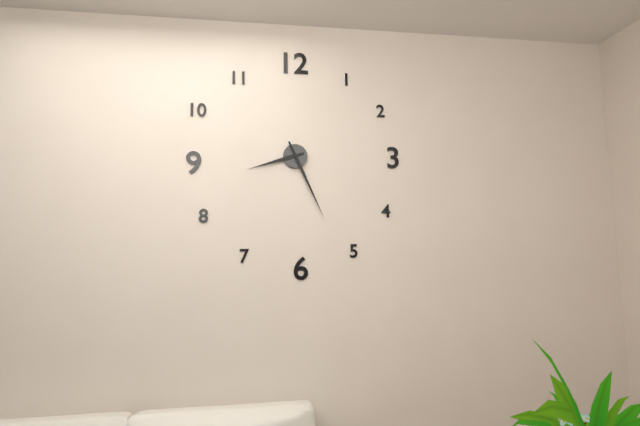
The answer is 8:26
